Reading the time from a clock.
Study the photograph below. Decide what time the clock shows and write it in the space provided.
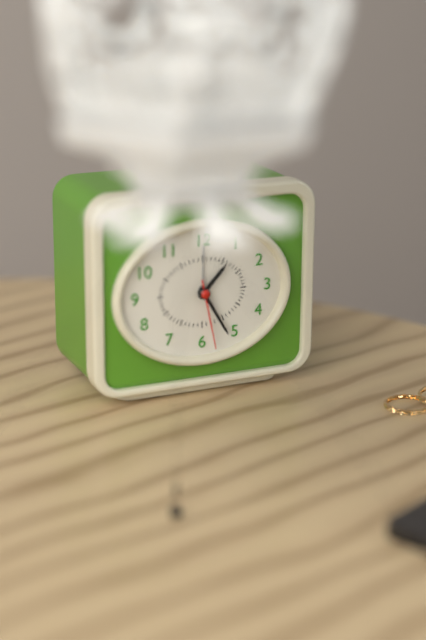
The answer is 1:25:28
